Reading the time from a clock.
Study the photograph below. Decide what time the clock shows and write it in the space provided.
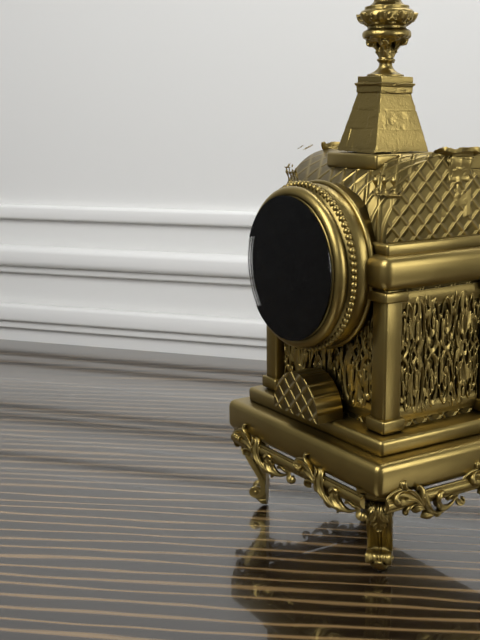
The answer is 10:31
